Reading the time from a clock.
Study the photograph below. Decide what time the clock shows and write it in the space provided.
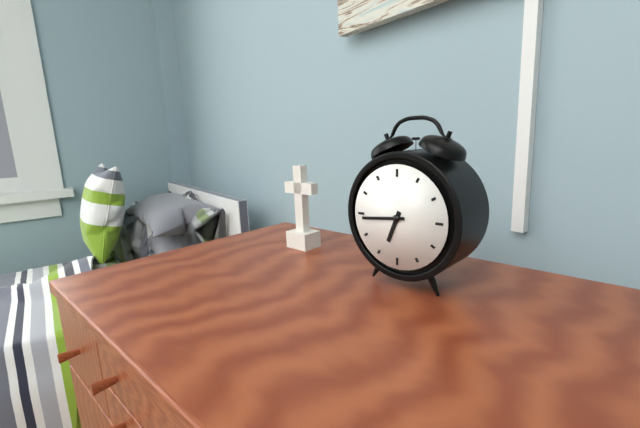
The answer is 6:44
